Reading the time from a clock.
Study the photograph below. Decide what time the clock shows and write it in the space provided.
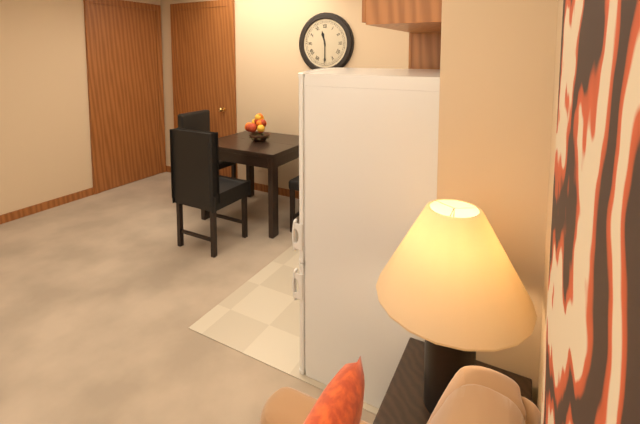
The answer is 11:30
